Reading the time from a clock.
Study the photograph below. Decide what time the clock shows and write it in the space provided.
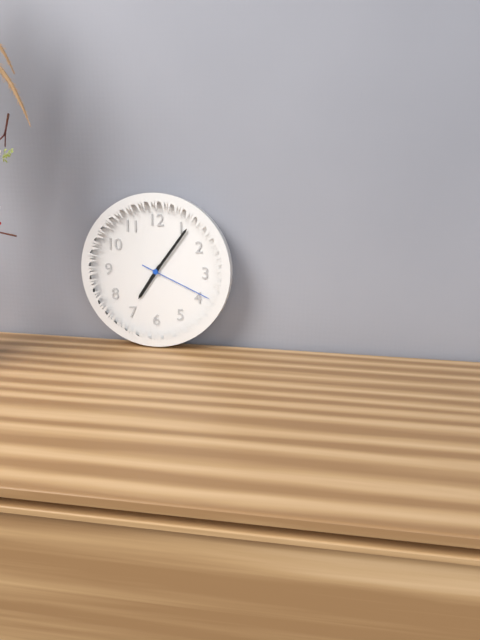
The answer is 7:06:19
